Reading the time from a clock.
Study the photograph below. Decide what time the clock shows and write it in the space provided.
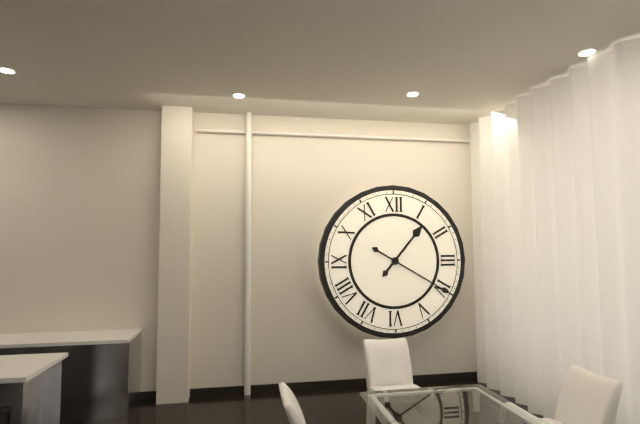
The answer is 1:20
